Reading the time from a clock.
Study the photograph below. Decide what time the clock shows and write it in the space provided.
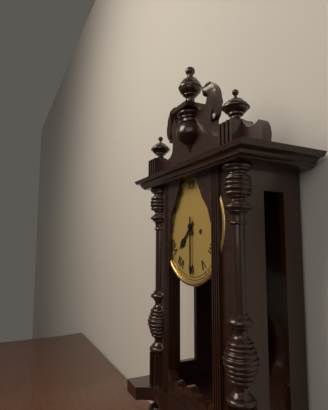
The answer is 7:30
